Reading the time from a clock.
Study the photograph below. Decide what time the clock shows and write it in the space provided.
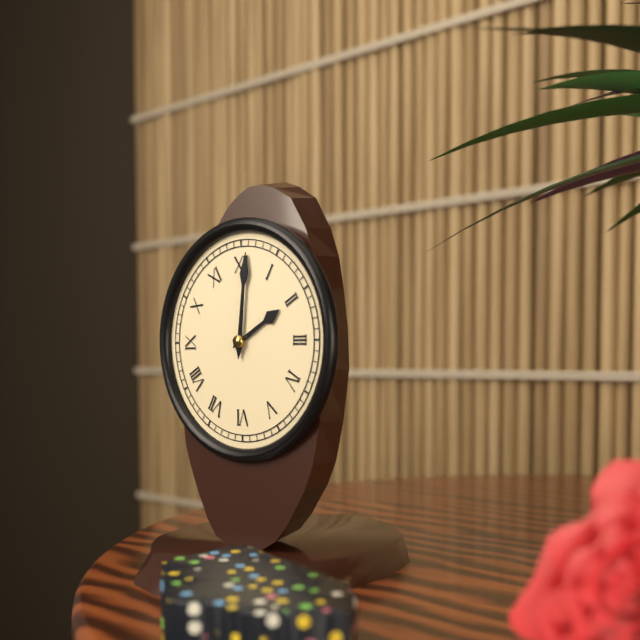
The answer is 2:01
